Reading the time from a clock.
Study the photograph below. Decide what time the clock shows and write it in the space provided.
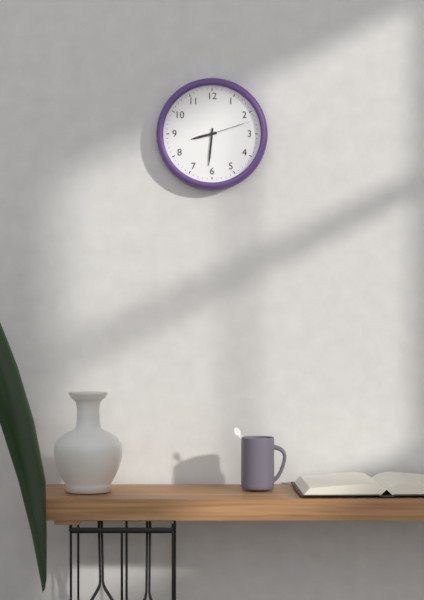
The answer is 8:31:12
